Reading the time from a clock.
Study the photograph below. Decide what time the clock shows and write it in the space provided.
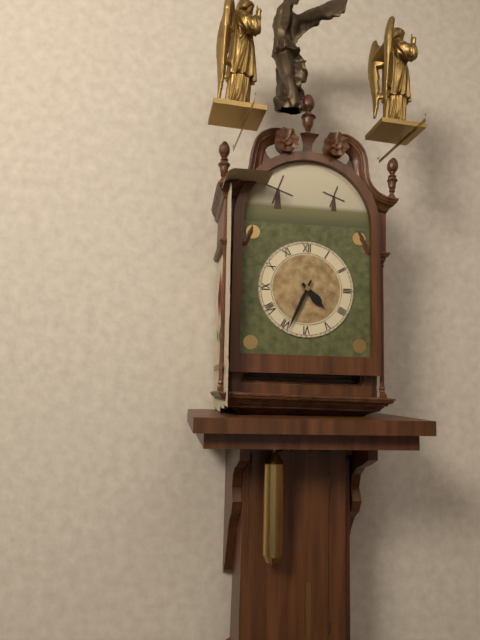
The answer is 4:34
